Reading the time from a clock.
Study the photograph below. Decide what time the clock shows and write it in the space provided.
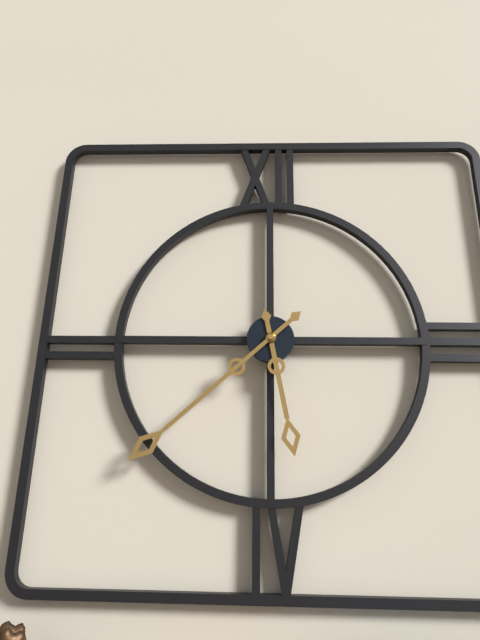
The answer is 5:38
